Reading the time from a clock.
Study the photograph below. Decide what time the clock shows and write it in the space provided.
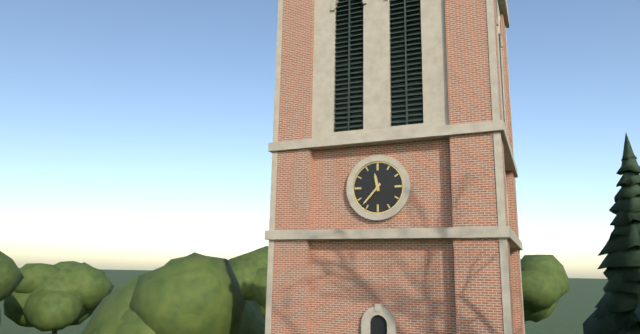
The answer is 11:37
